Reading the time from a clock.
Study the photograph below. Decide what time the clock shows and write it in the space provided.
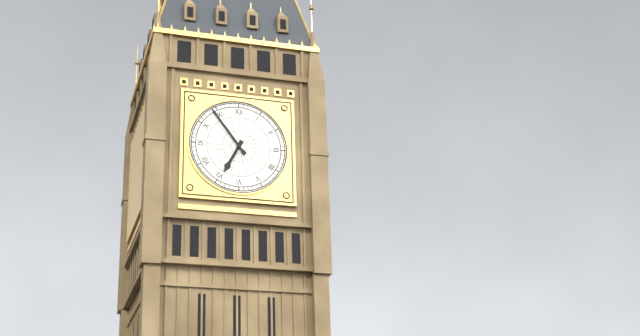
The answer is 6:54
